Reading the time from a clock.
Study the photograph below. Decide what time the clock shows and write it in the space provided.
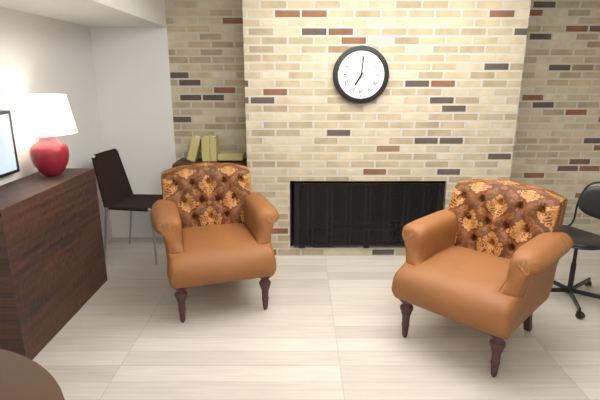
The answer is 7:01
